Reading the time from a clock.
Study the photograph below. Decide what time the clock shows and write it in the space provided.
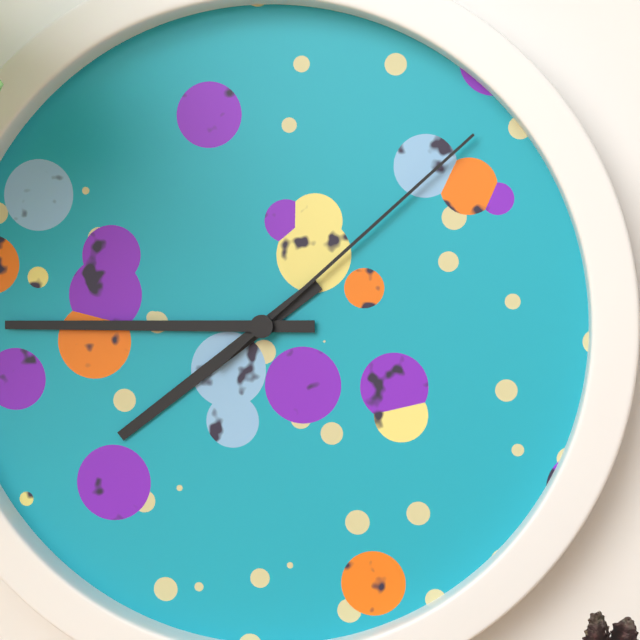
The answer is 7:45:08
